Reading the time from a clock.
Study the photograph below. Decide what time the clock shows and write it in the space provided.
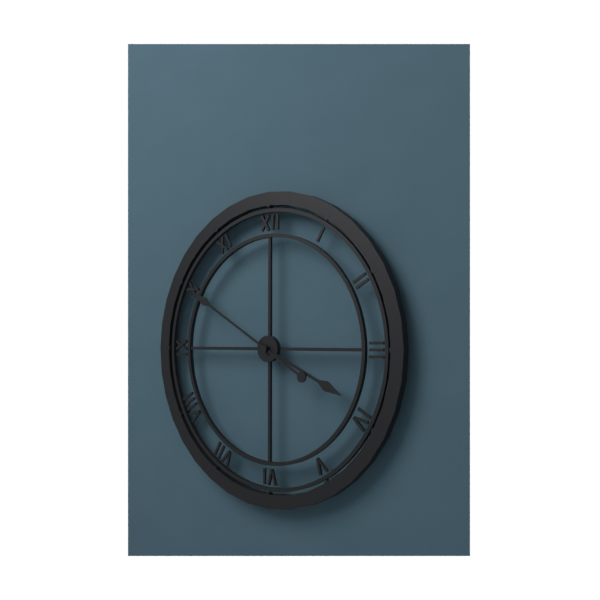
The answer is 3:50
